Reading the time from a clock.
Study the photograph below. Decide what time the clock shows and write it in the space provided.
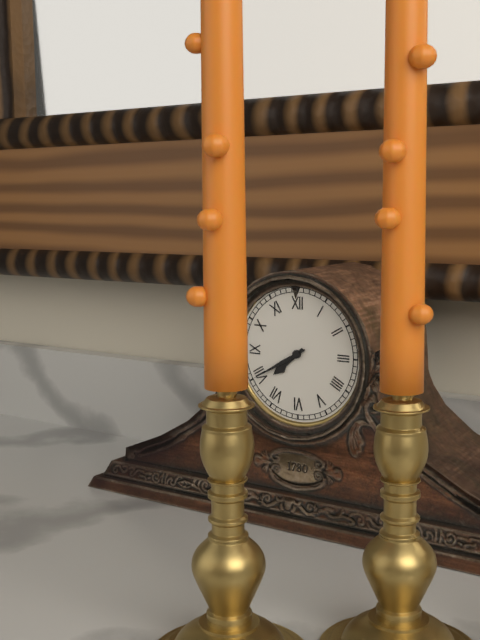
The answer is 7:40
